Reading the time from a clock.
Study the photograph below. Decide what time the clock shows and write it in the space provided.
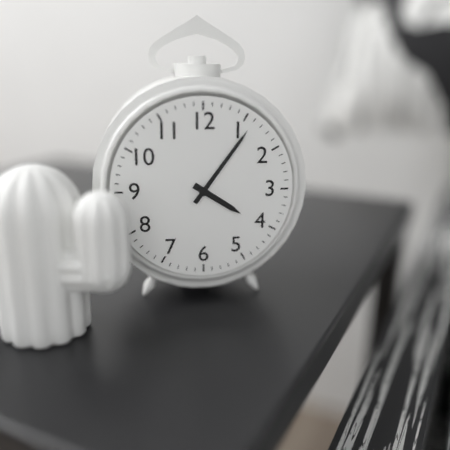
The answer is 4:06
